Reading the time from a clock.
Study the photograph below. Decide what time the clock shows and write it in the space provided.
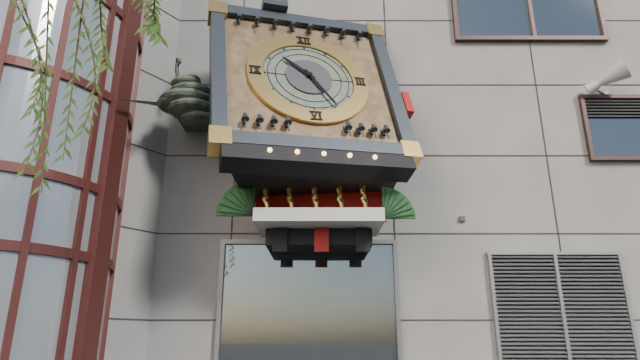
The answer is 10:25
